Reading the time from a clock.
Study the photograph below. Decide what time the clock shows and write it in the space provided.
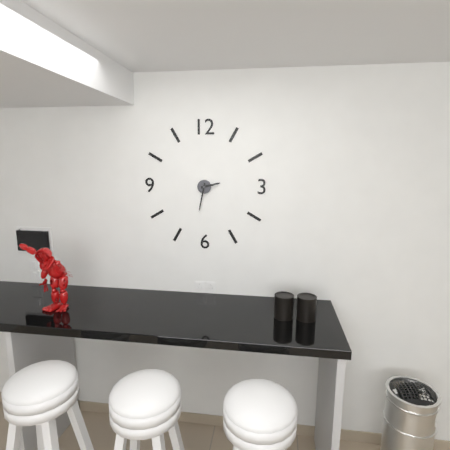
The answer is 2:32
